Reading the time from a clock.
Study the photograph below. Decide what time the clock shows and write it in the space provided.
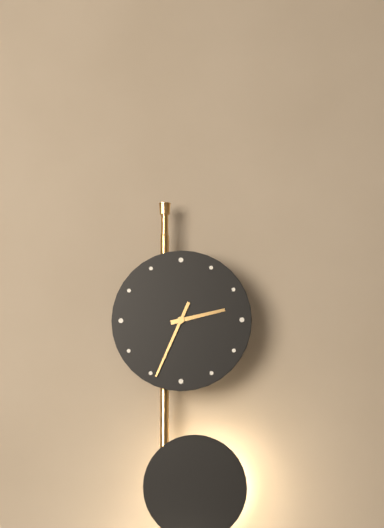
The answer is 2:34
